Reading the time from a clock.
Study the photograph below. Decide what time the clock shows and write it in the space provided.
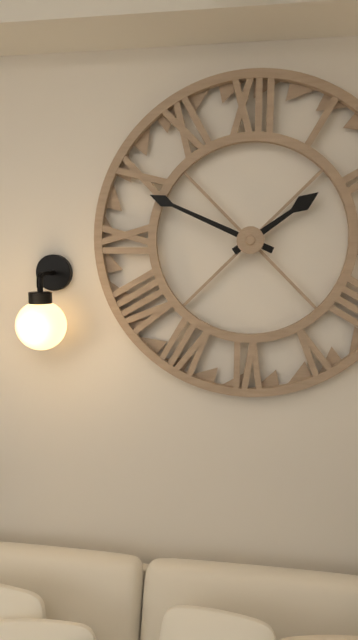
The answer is 1:49
